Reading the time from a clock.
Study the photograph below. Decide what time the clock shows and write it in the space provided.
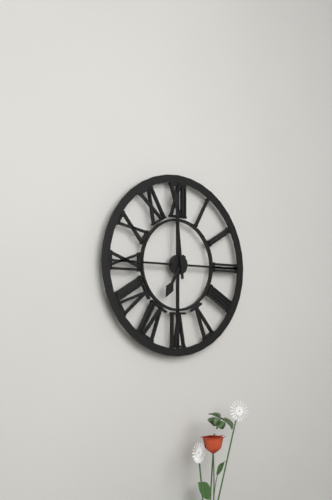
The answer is 6:59
